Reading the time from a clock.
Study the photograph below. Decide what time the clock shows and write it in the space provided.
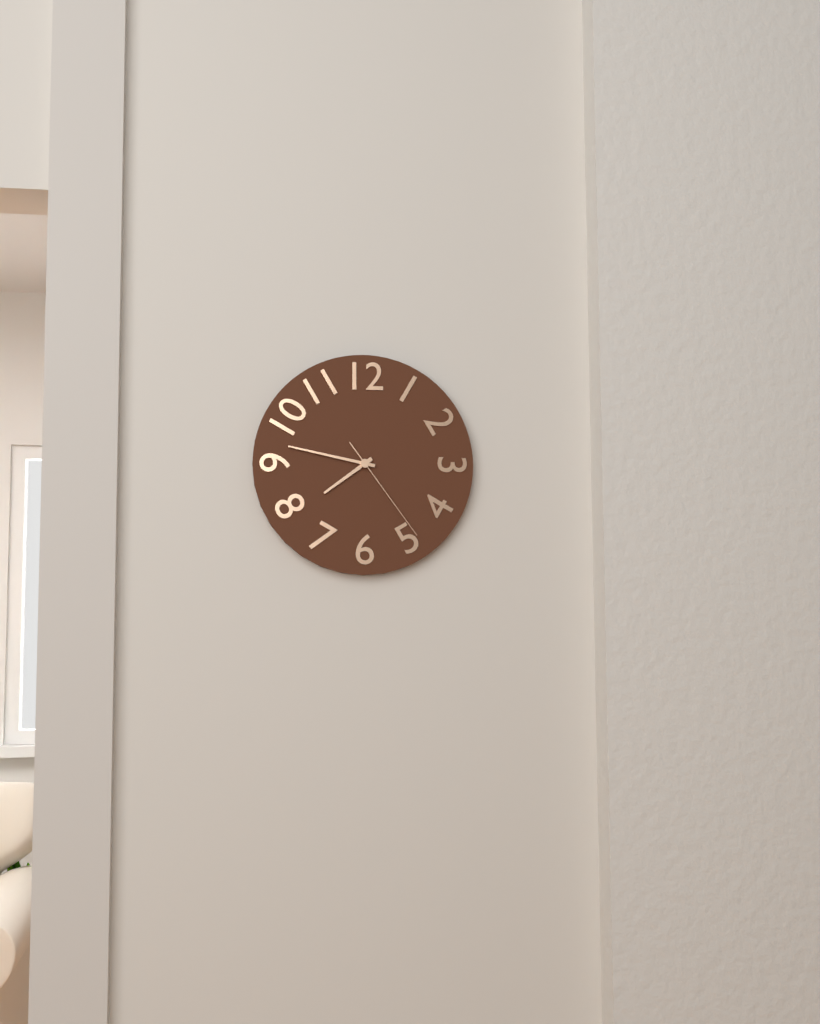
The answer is 7:47:24
